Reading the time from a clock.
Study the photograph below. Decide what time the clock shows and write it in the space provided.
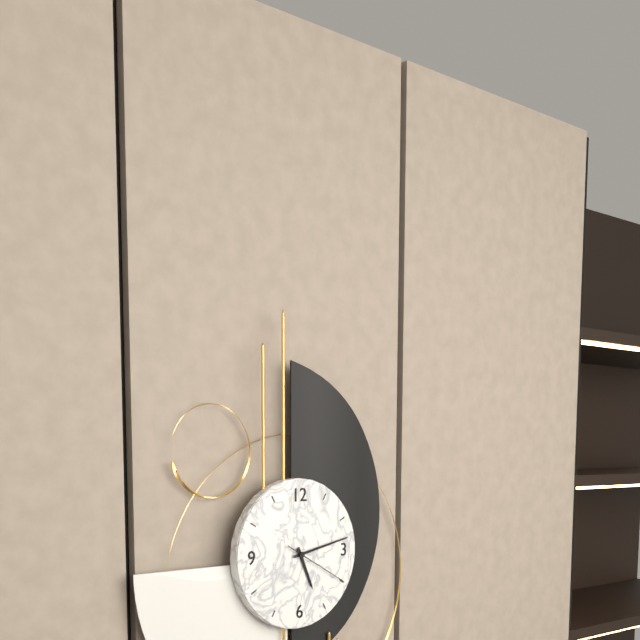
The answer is 5:13:20
